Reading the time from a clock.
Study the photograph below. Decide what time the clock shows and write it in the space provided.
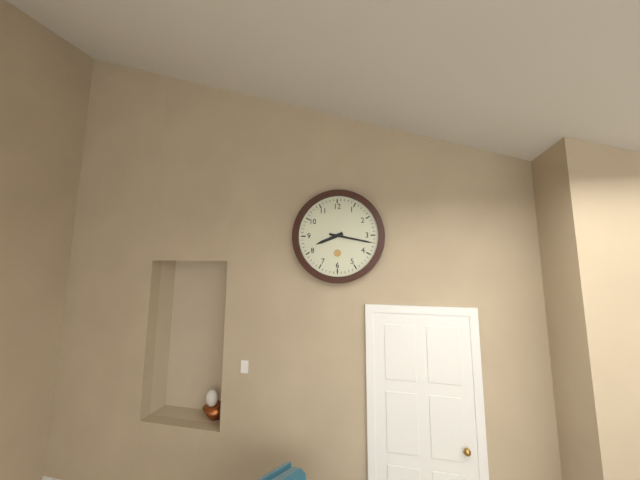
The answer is 8:17
